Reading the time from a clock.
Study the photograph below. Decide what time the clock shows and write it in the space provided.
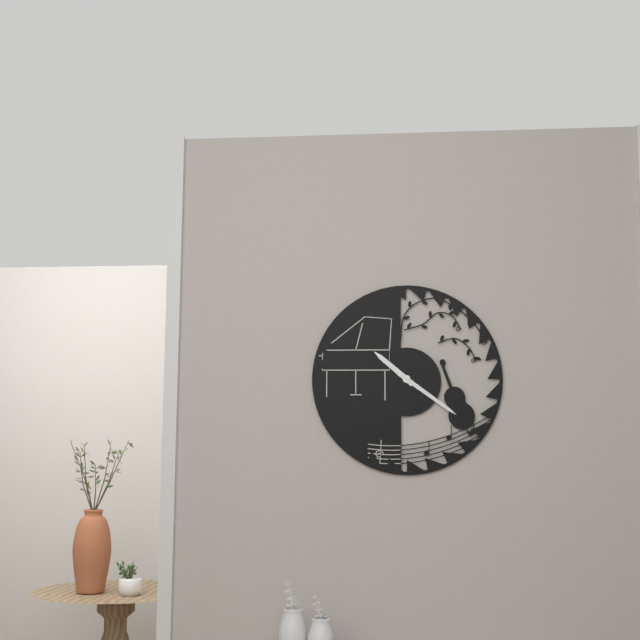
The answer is 10:21
